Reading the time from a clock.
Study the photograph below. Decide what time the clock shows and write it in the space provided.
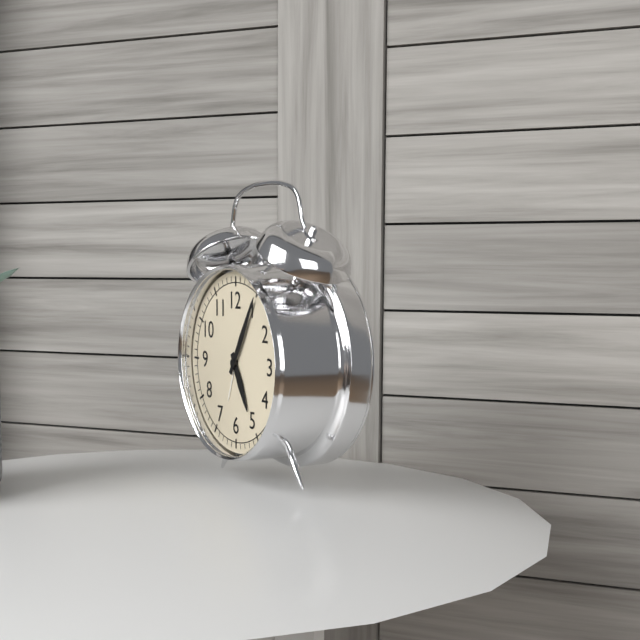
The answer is 5:05
